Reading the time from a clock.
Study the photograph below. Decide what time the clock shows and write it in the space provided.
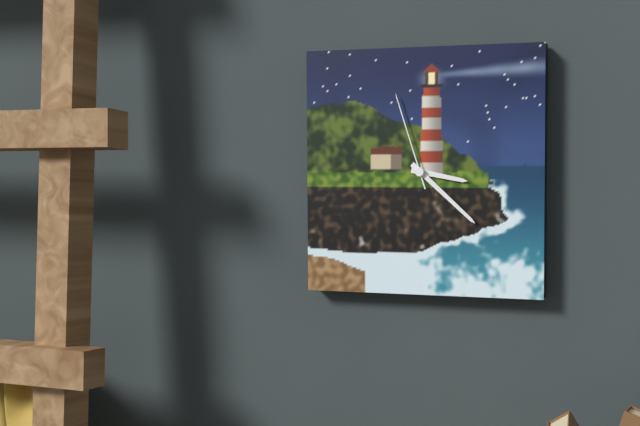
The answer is 3:22:57
